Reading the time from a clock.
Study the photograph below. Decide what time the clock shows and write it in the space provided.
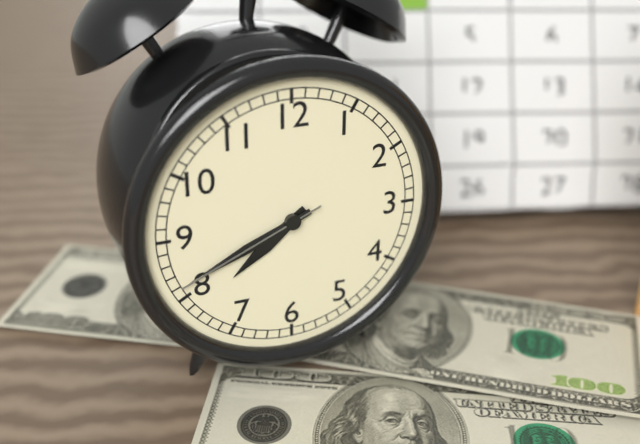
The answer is 7:41:41
